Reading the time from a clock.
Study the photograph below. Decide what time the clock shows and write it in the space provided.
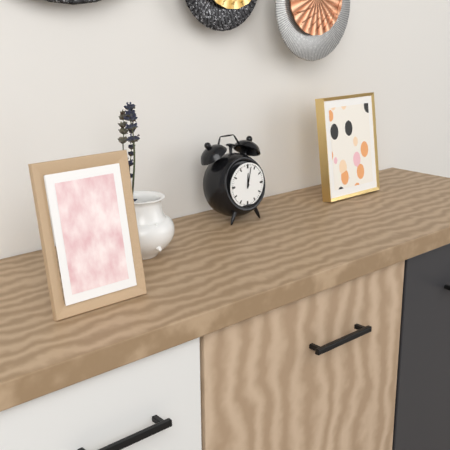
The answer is 12:02
